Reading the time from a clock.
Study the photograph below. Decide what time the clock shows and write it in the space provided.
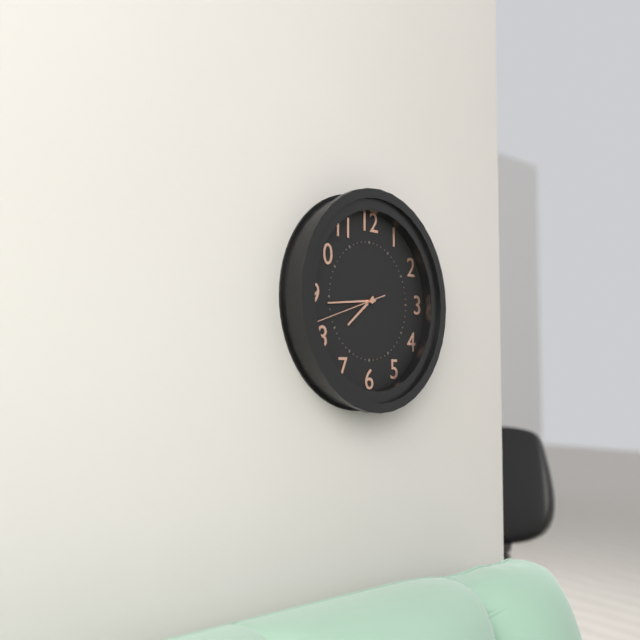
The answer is 7:44:42
